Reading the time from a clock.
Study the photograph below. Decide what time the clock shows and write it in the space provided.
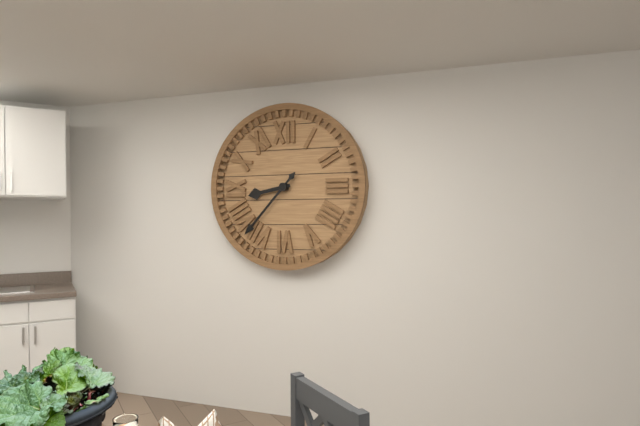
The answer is 8:37
